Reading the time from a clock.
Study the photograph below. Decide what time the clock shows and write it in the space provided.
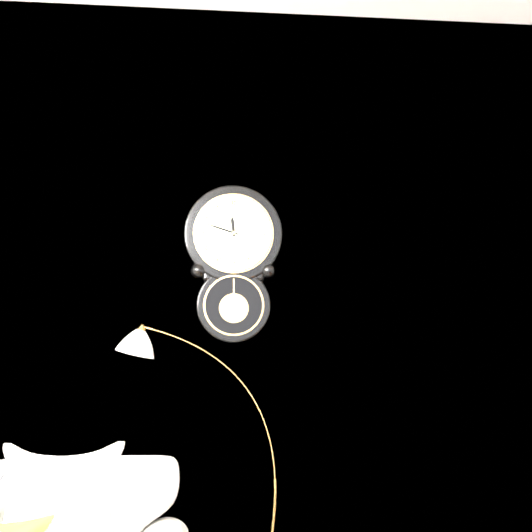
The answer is 11:48
